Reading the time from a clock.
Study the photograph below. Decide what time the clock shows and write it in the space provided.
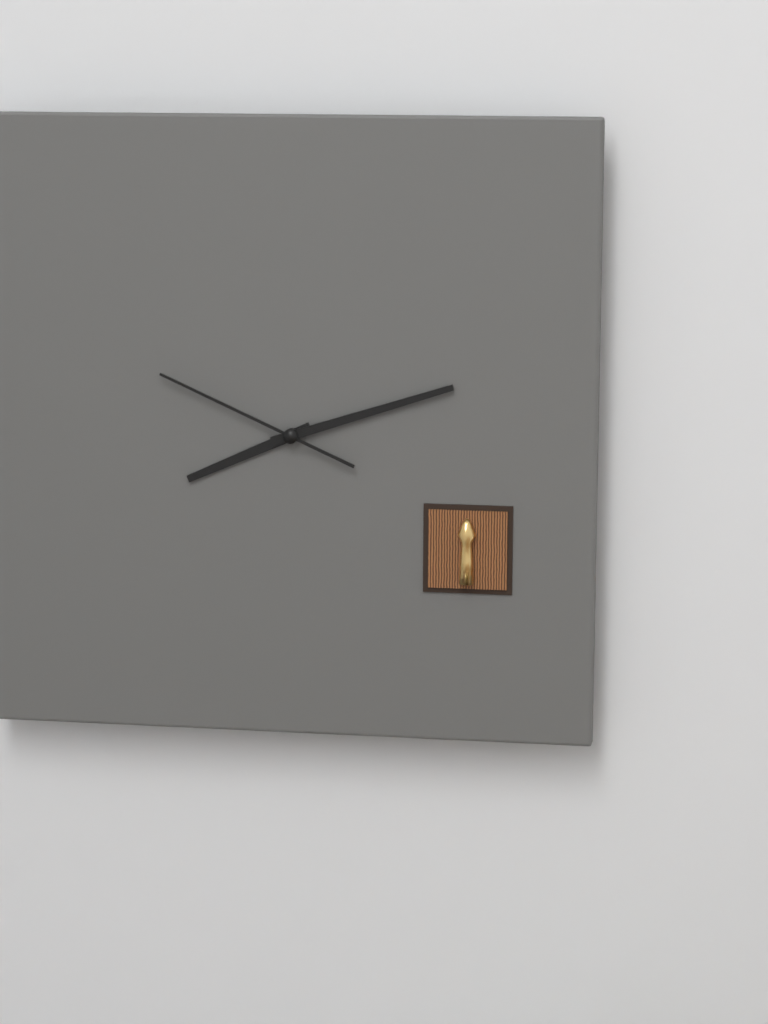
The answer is 8:12:49
